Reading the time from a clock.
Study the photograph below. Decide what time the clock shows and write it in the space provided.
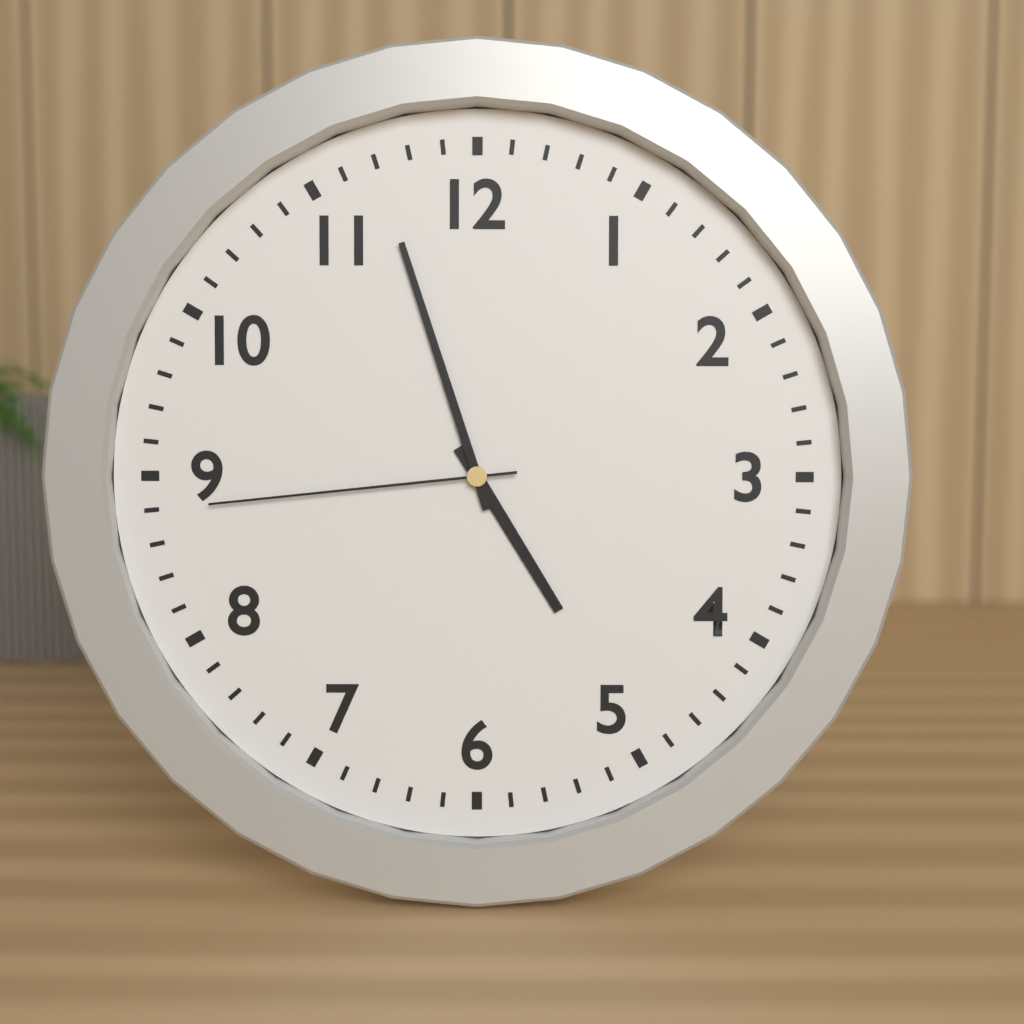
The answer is 4:57:44
